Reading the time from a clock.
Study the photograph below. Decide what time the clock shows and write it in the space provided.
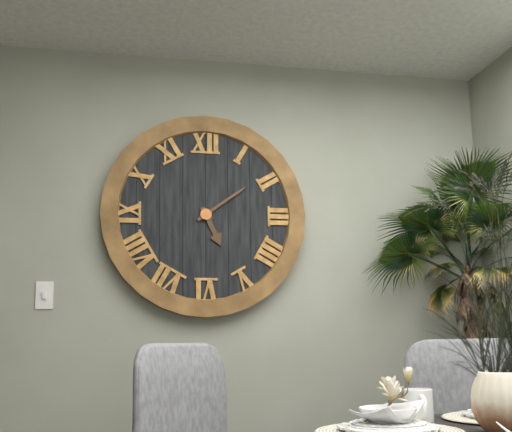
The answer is 5:09
